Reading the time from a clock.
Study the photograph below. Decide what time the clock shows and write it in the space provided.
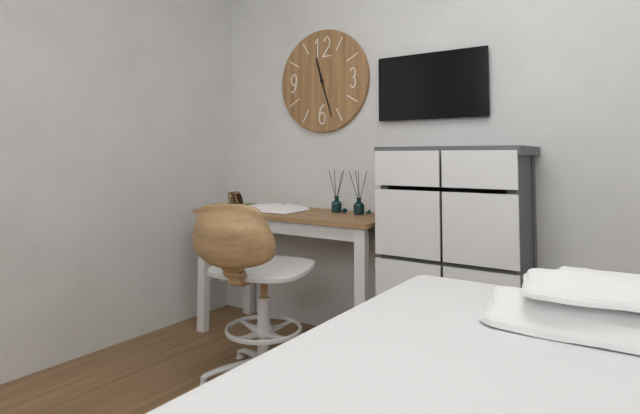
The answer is 11:27
